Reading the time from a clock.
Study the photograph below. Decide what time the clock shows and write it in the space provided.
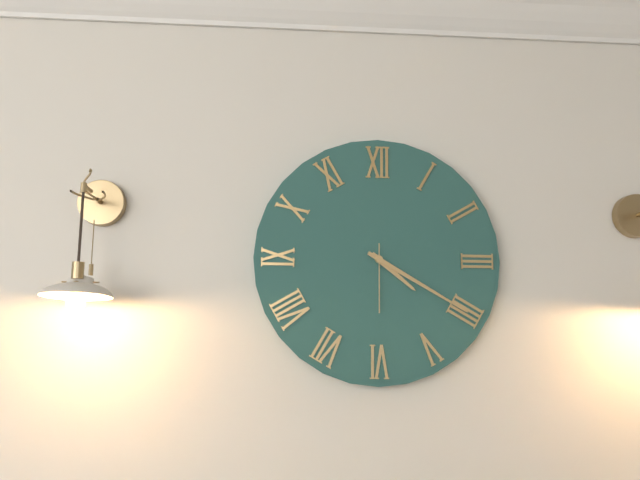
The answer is 4:20:30
